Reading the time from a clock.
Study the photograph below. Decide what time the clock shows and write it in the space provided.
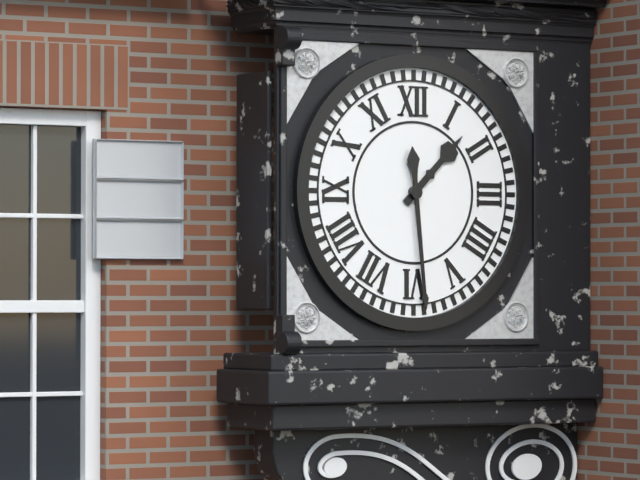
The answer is 1:29
